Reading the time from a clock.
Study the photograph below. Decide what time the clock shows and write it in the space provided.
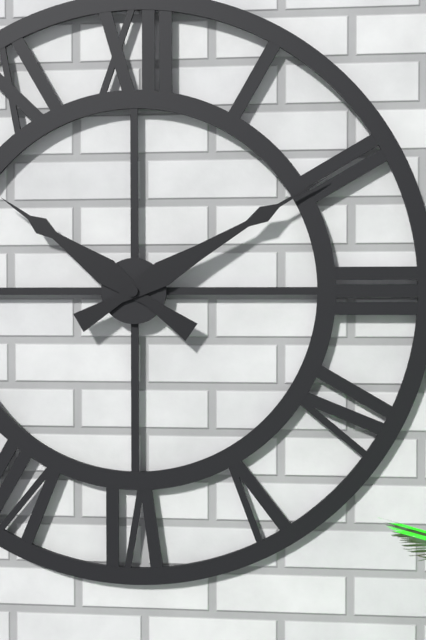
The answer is 10:10
